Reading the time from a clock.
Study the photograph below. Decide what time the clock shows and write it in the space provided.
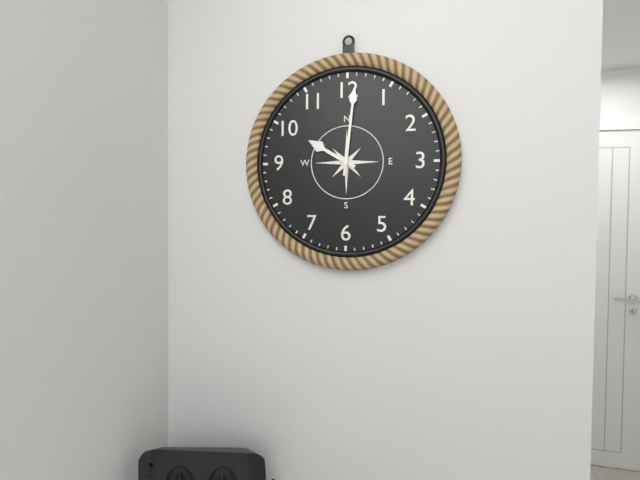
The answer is 10:01
